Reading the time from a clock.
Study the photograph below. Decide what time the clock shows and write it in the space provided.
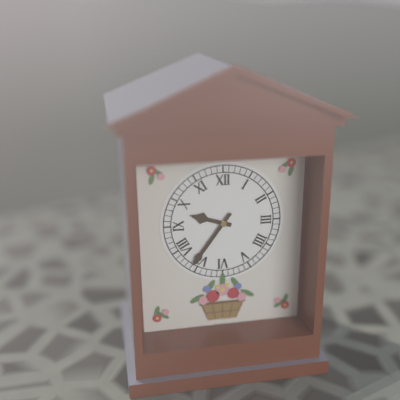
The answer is 9:36
